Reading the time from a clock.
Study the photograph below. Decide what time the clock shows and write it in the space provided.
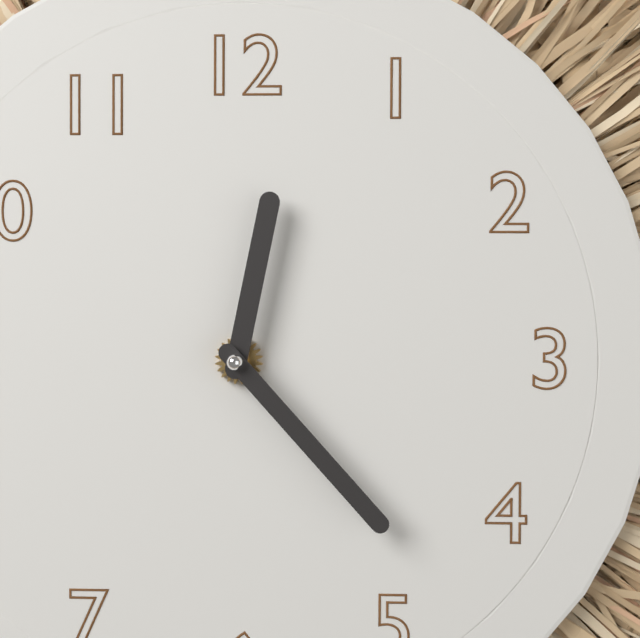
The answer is 12:23
